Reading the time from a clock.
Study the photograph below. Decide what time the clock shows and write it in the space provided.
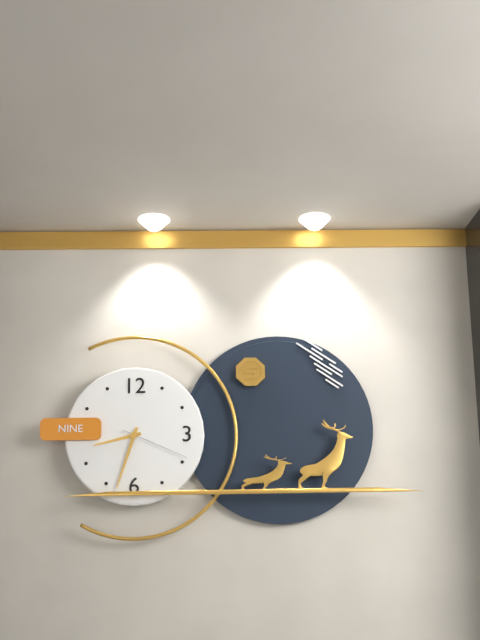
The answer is 8:33:19
